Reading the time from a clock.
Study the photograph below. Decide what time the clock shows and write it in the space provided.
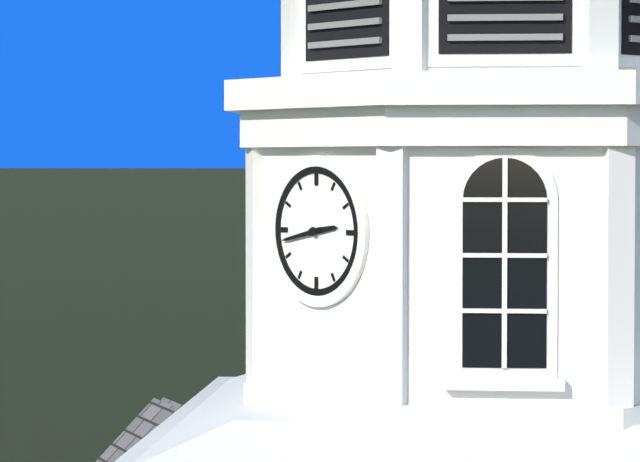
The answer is 2:43
